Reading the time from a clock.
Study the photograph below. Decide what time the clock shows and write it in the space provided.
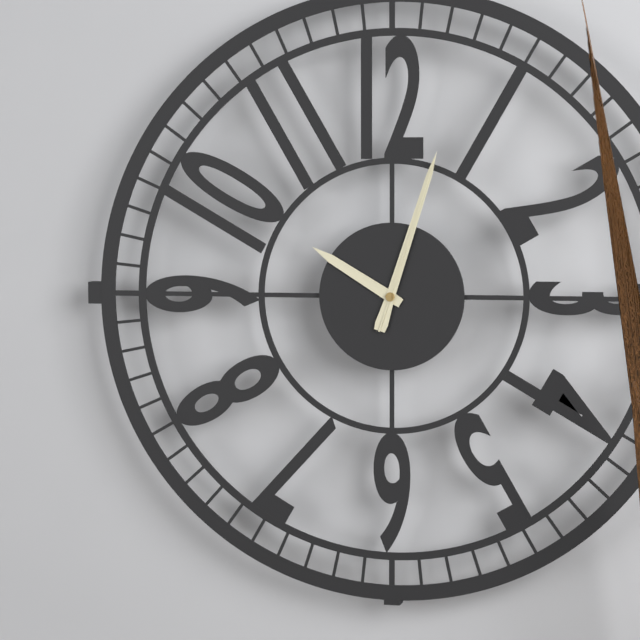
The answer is 10:03:03
